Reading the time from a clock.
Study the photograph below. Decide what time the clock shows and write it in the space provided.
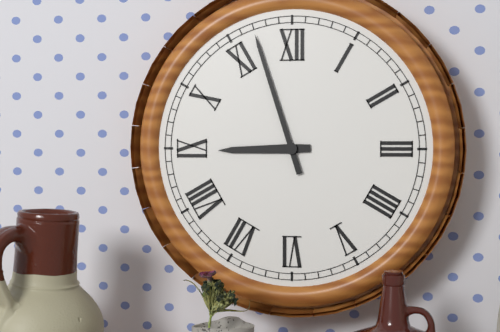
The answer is 8:57
